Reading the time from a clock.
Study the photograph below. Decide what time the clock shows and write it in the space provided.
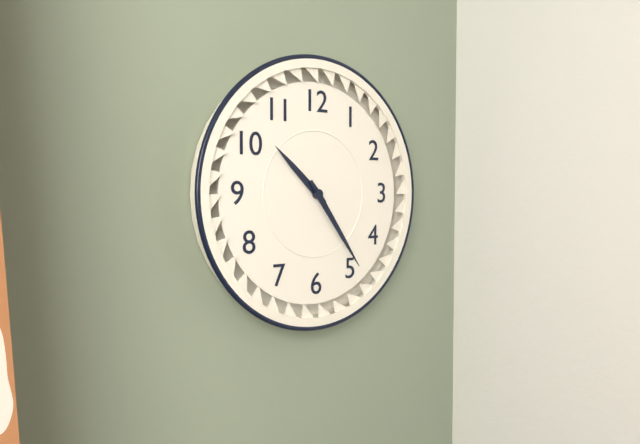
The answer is 10:24
